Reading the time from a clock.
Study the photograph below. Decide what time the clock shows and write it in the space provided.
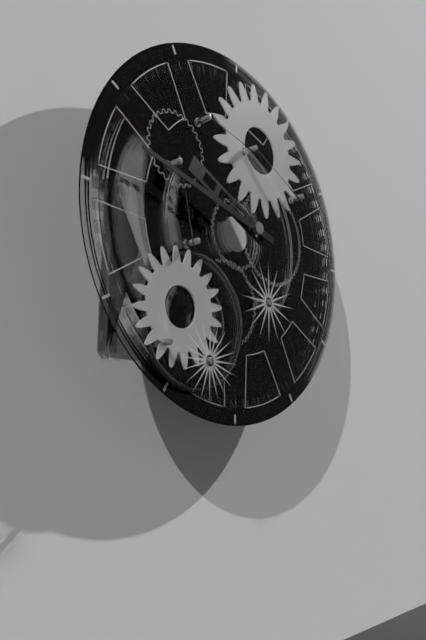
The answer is 9:47
